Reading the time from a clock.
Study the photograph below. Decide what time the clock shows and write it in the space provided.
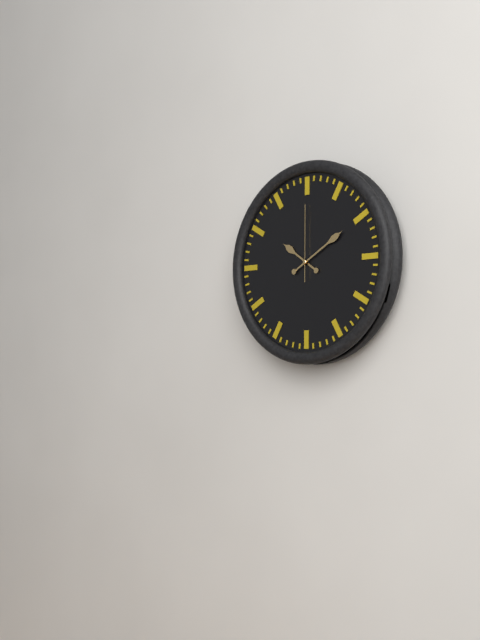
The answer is 10:10:00
